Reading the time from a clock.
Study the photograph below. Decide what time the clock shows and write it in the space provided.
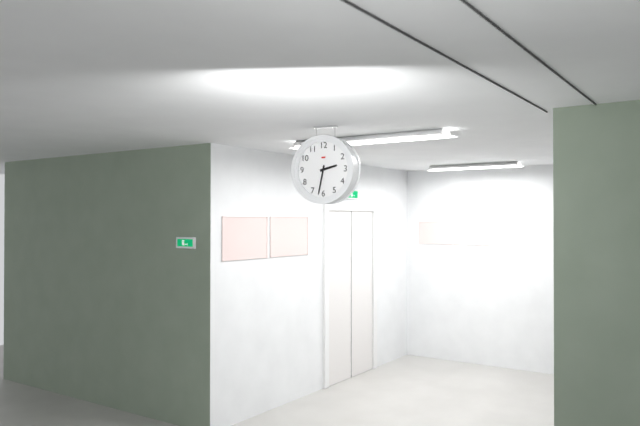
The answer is 2:32
